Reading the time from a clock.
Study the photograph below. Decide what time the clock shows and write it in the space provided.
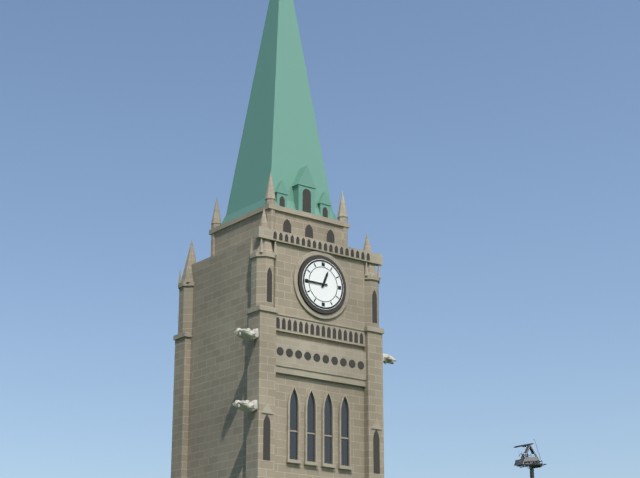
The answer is 12:45
